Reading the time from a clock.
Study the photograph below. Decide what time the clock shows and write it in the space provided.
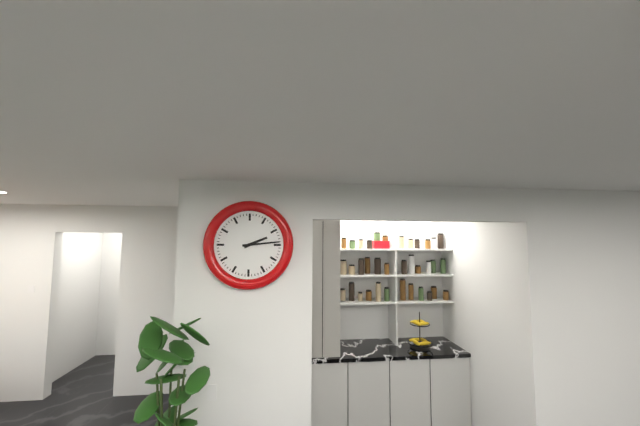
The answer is 2:14
